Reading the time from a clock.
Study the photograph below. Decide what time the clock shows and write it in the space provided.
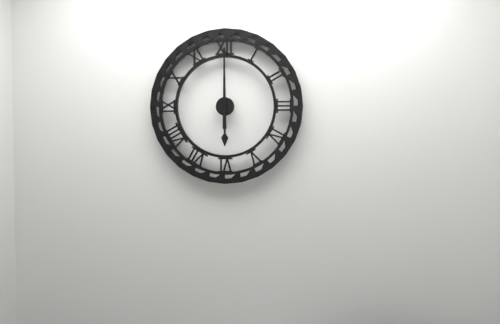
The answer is 6:00
